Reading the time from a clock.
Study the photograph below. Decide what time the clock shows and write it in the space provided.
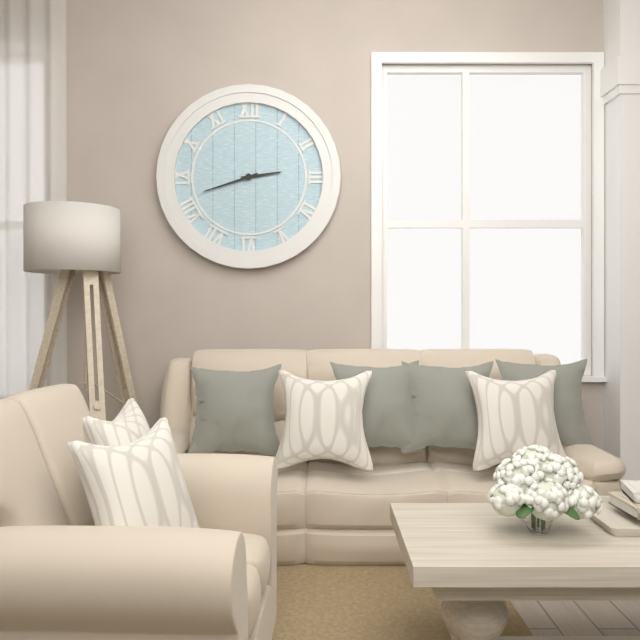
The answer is 2:42
